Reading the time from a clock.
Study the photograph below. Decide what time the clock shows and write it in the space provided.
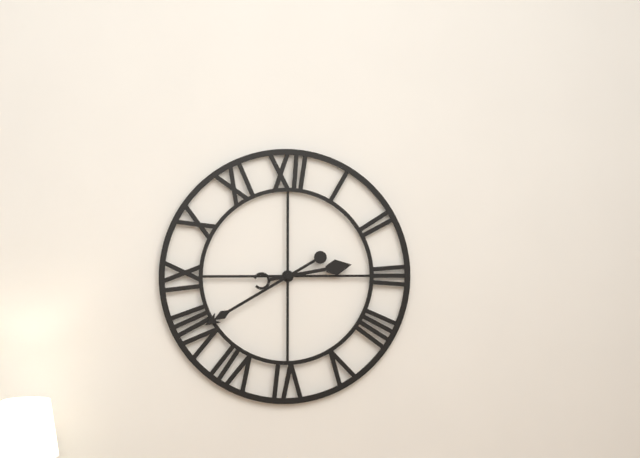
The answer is 2:40
